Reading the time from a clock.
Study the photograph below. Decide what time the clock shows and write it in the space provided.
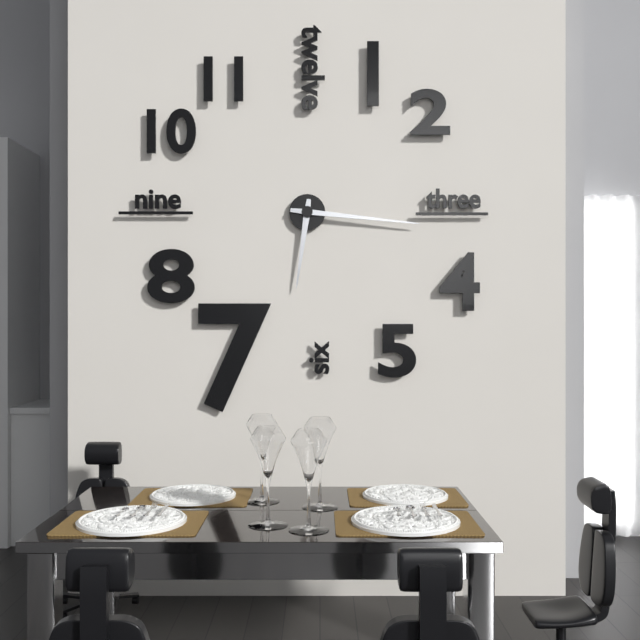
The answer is 6:16
